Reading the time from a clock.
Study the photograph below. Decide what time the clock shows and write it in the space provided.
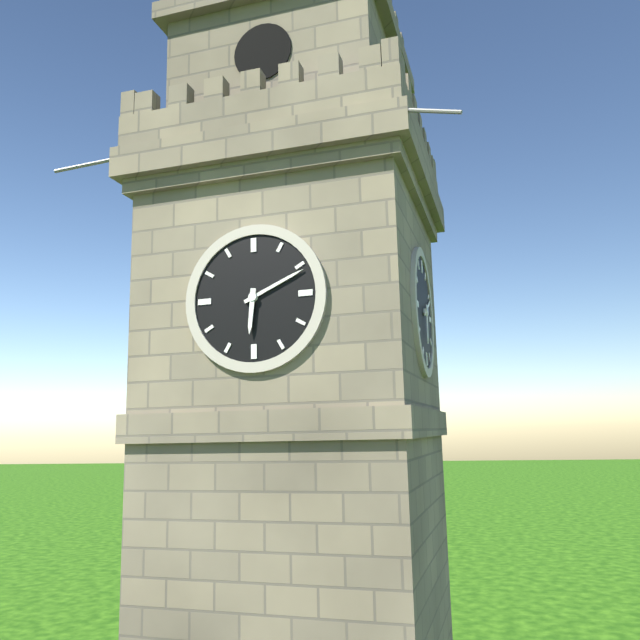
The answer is 6:11
